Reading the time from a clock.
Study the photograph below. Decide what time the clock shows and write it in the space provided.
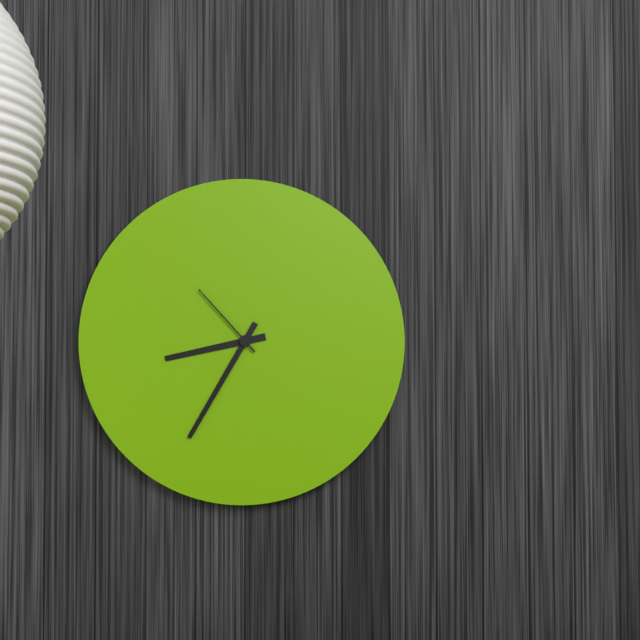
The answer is 8:35:53
